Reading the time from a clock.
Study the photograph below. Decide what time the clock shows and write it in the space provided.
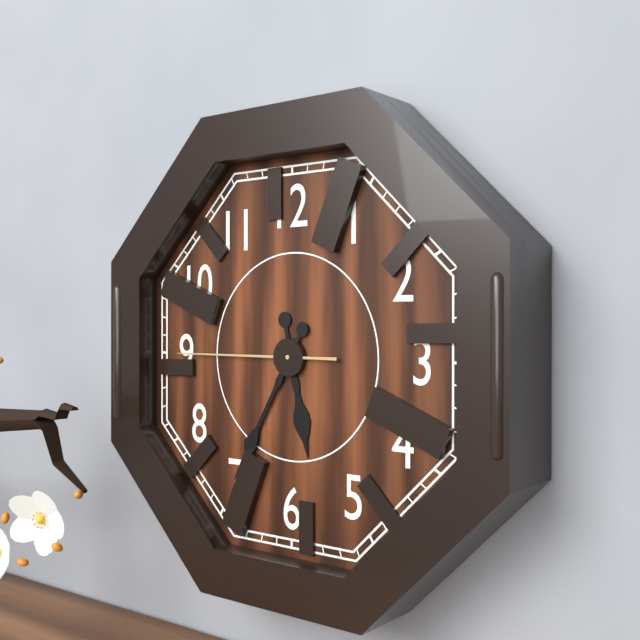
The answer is 5:35:45
